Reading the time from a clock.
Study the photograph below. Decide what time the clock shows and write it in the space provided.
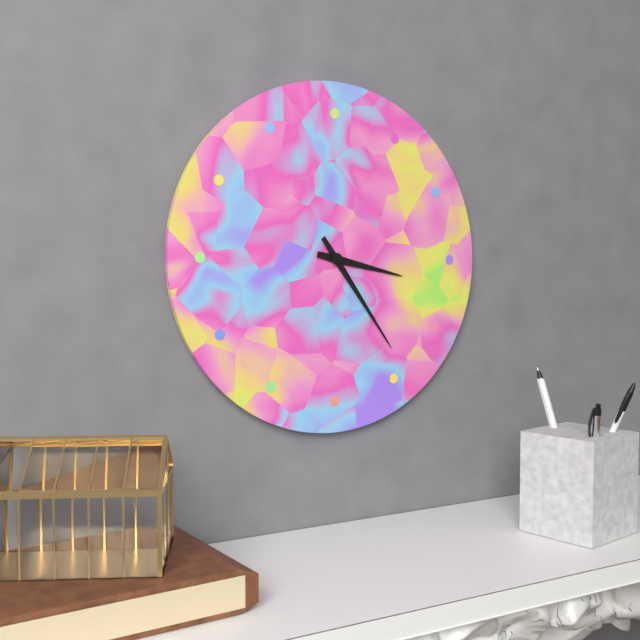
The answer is 3:24
